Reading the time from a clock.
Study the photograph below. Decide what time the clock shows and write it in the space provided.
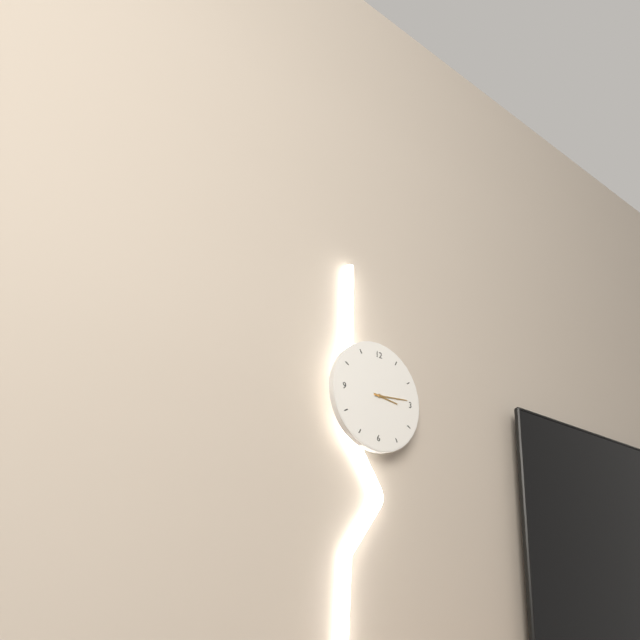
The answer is 3:14
